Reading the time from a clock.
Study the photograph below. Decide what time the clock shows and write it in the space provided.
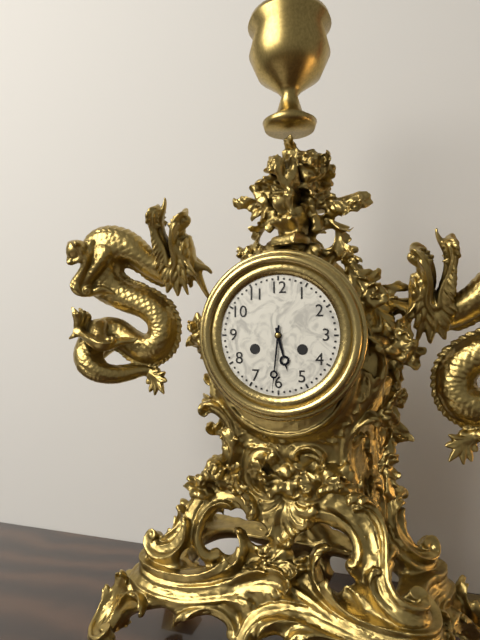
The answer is 5:31
